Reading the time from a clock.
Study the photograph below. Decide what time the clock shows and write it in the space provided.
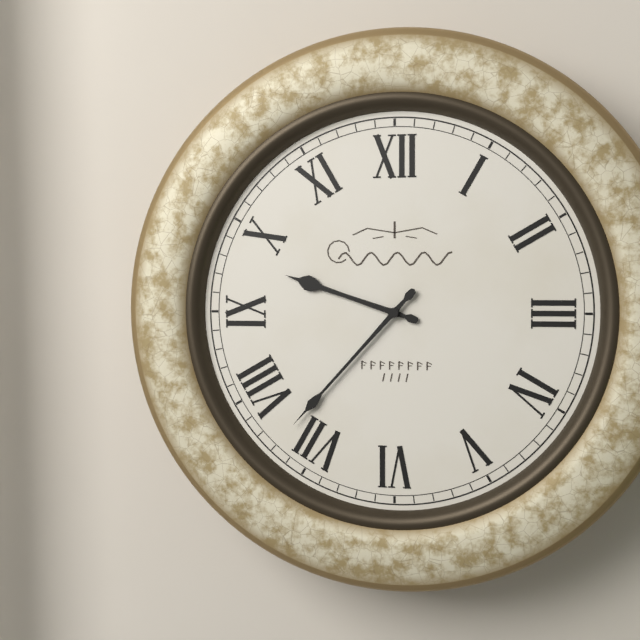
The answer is 9:37
